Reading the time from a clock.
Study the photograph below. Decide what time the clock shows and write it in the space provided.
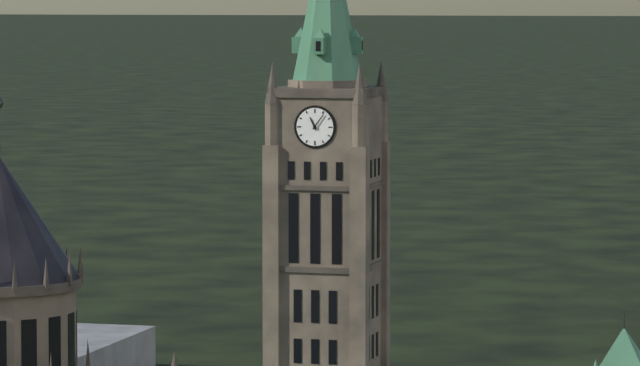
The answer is 11:06
